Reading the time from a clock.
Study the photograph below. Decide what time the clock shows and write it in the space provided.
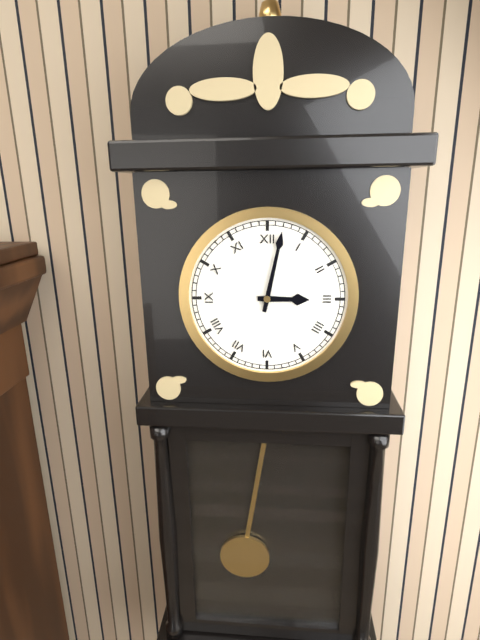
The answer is 3:02
